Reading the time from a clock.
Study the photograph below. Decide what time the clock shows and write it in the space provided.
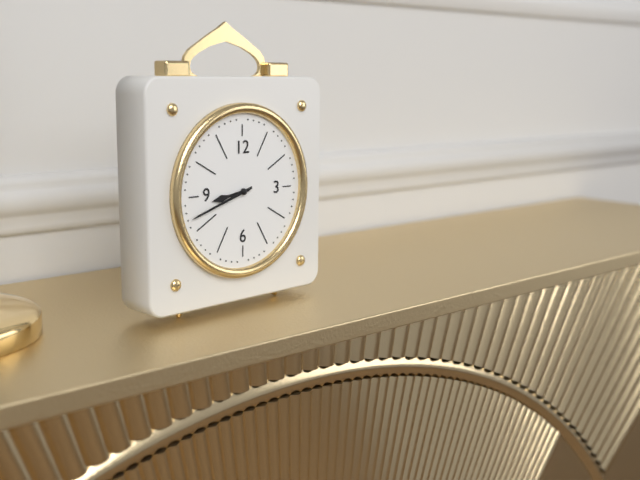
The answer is 8:42
